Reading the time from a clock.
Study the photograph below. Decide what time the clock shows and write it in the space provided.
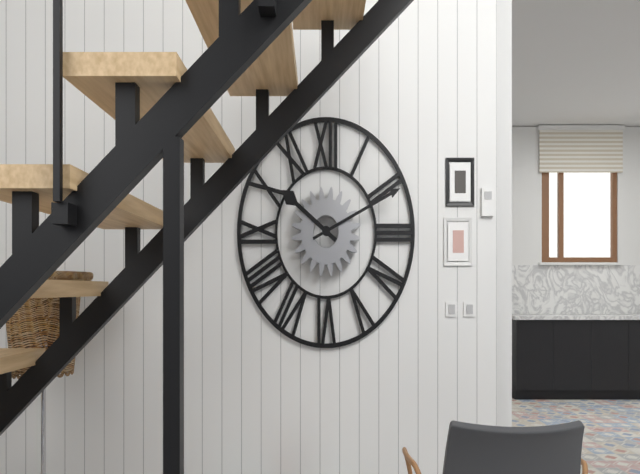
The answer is 10:11
